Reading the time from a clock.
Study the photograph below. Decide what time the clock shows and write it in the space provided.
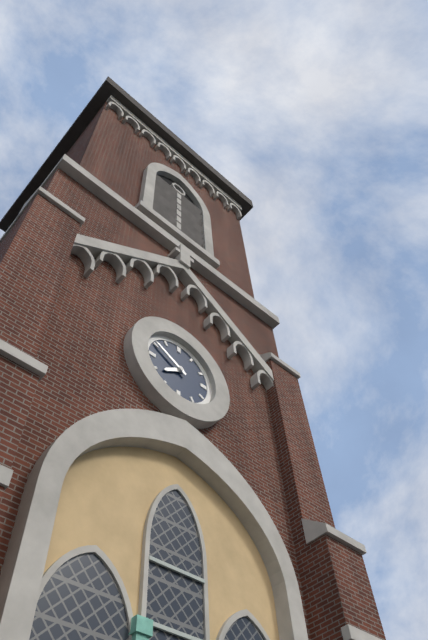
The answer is 7:50
